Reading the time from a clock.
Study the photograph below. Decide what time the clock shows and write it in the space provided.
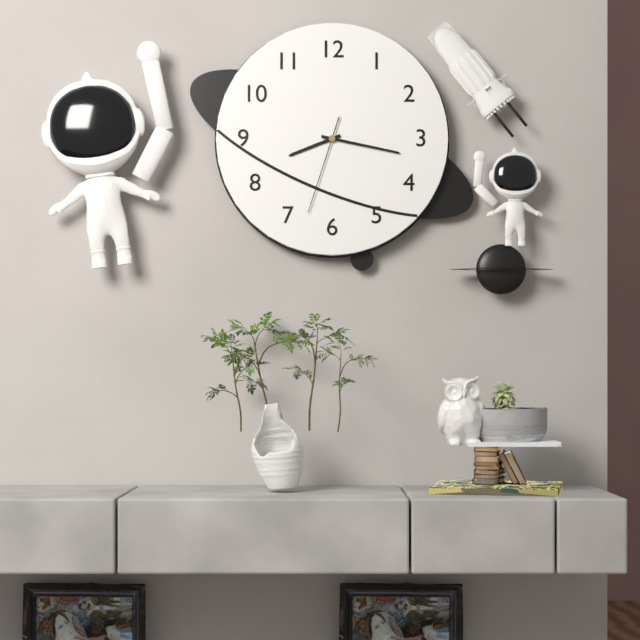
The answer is 8:17:33
